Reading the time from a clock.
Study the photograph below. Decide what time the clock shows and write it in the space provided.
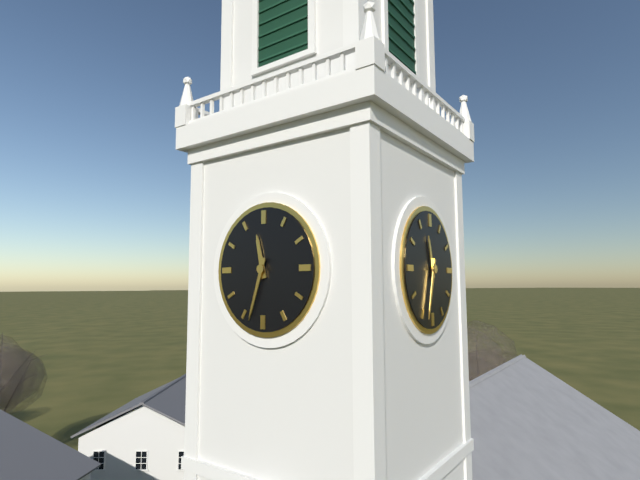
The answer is 11:33
